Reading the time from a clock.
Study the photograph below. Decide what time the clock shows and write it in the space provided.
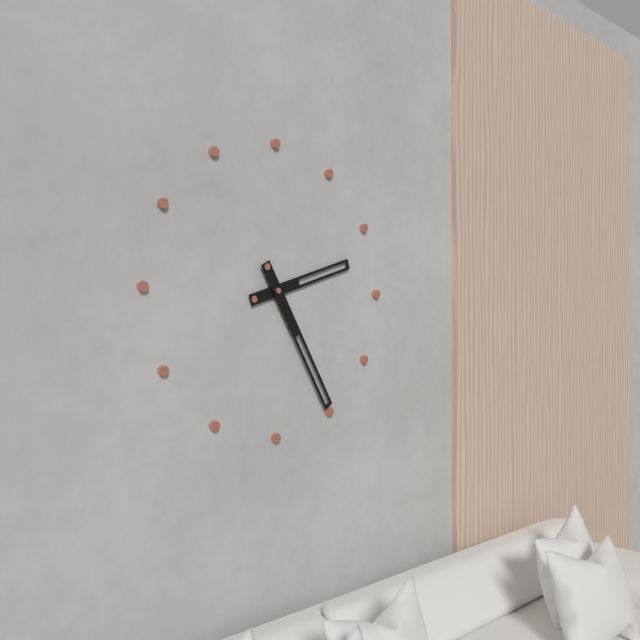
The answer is 2:25
